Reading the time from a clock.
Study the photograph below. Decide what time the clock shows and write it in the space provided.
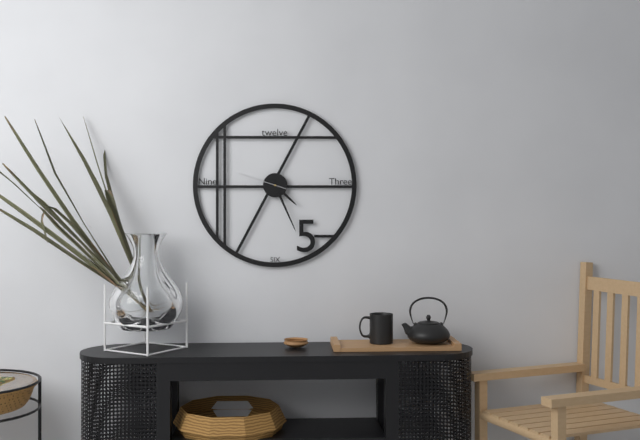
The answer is 4:26
